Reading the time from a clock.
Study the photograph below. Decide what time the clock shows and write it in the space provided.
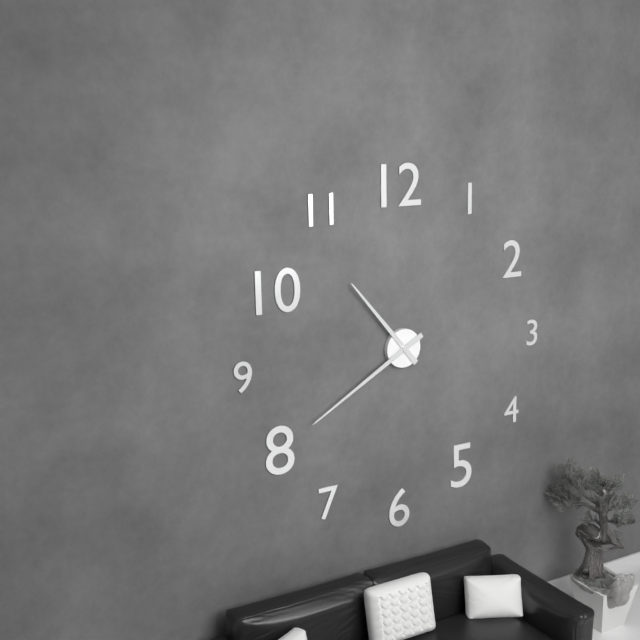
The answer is 10:40
